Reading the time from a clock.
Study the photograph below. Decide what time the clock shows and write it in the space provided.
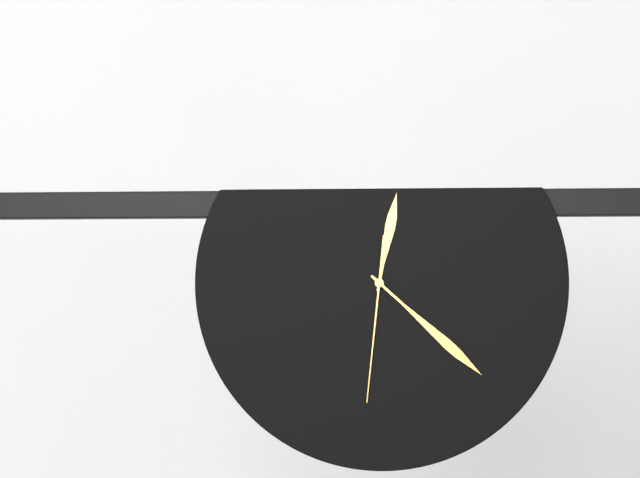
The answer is 12:22:31
